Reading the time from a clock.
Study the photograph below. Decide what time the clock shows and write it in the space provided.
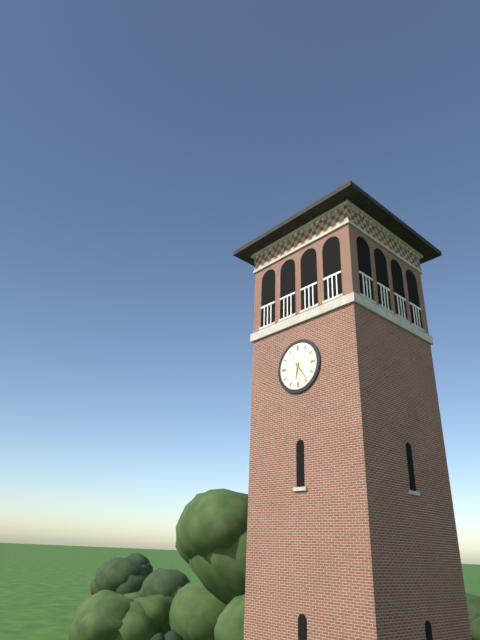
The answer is 6:24
